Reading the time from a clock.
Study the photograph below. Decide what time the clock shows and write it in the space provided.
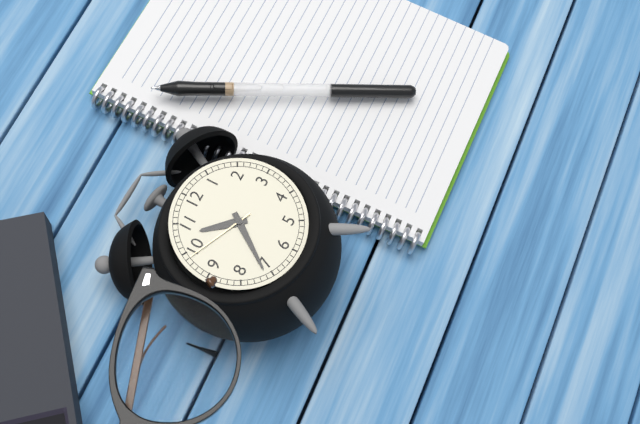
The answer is 10:36:49
